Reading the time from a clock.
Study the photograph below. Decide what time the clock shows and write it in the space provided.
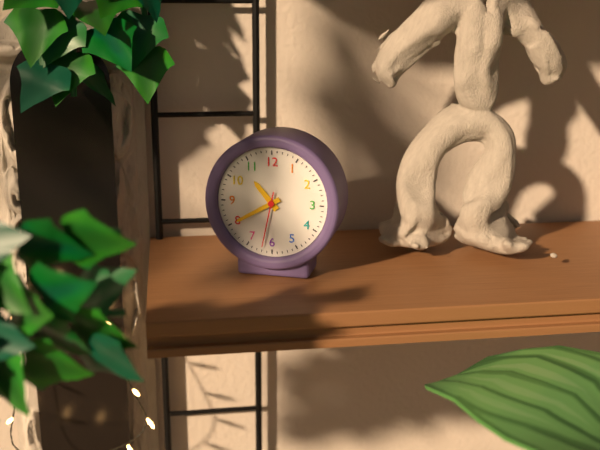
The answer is 10:40:32
